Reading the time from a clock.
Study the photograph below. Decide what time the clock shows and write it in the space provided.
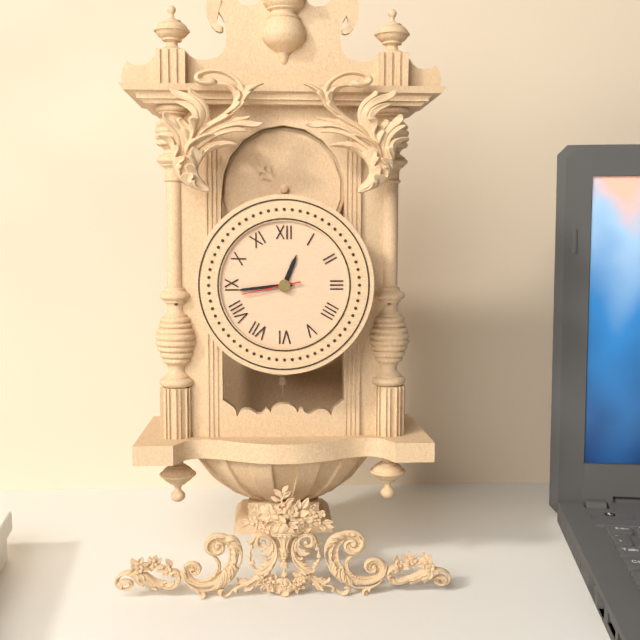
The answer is 12:44:43
